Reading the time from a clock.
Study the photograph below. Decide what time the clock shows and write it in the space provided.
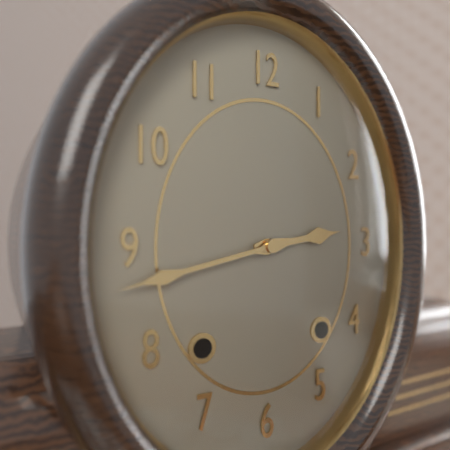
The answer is 2:43
